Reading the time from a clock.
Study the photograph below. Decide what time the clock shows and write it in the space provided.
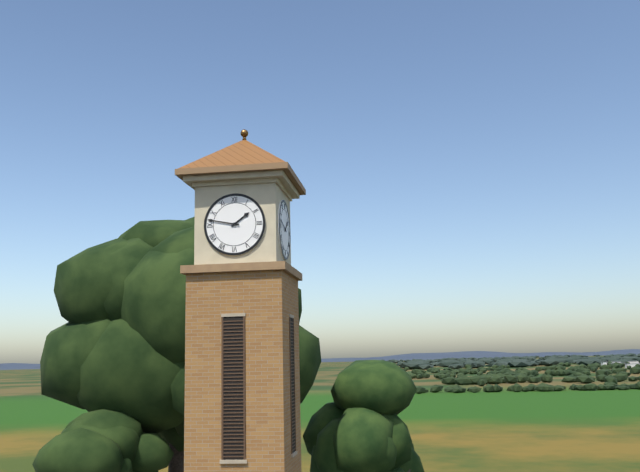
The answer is 1:47
